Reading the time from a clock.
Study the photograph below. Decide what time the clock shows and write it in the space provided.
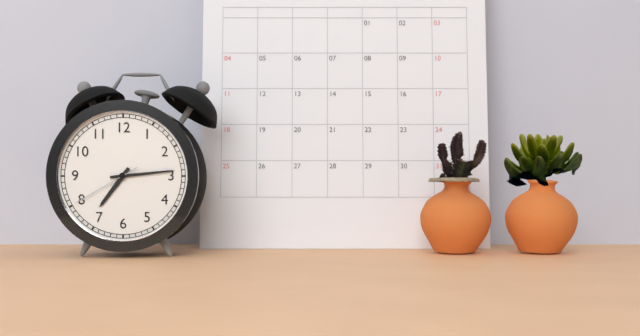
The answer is 7:14:40
